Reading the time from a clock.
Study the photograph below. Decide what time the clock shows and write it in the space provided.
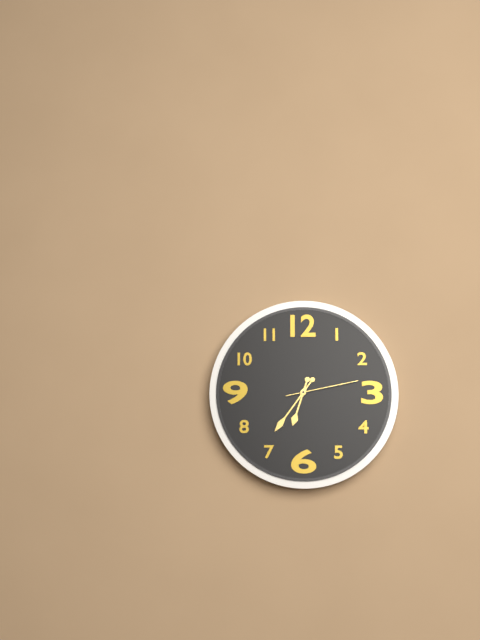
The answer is 6:36:13
